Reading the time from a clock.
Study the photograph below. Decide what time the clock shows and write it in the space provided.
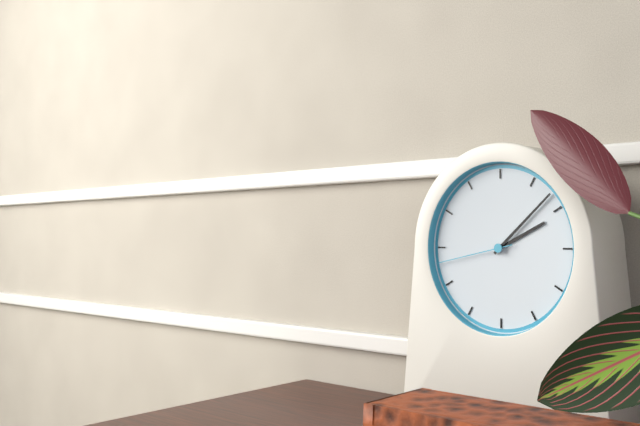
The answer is 2:08:43
